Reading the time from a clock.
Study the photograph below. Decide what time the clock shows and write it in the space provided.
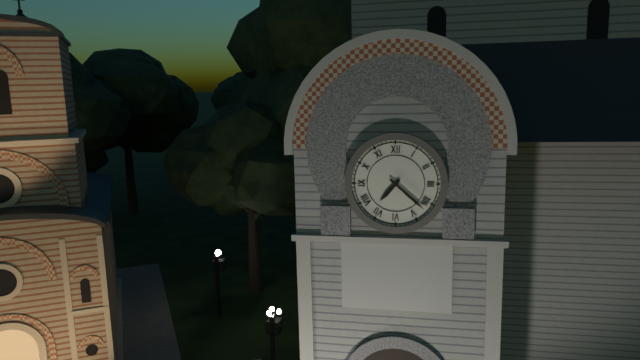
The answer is 7:22
